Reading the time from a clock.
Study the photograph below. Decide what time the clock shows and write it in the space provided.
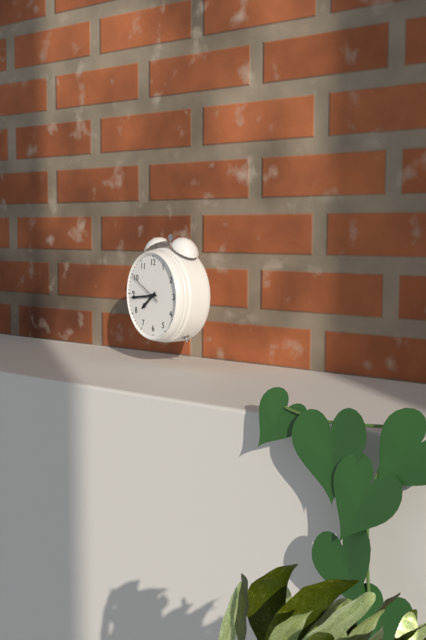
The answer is 7:44
